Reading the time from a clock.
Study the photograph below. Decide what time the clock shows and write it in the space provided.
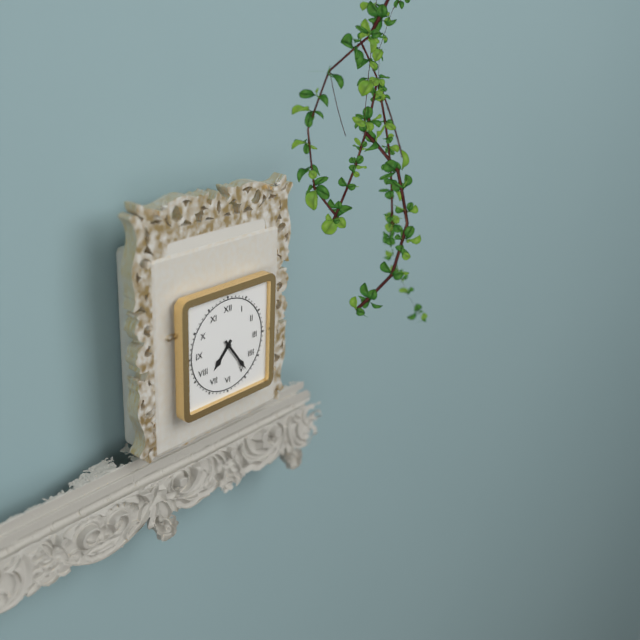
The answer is 7:24
